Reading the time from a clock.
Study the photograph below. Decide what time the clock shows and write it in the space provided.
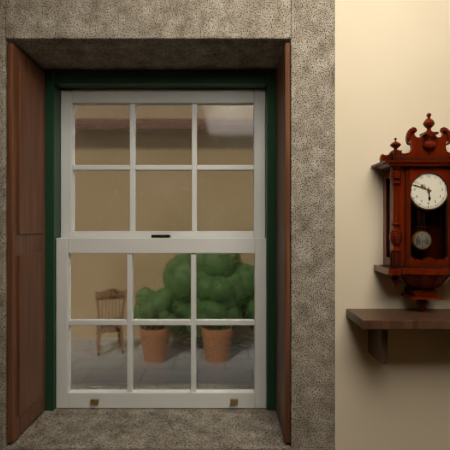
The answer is 5:48
